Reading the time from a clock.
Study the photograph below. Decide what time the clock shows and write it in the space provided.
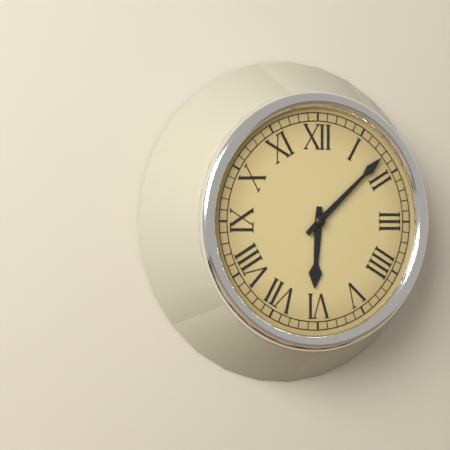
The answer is 6:08
